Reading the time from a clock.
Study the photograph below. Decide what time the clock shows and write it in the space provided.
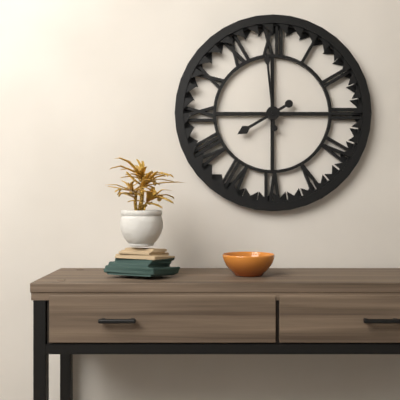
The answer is 7:59
